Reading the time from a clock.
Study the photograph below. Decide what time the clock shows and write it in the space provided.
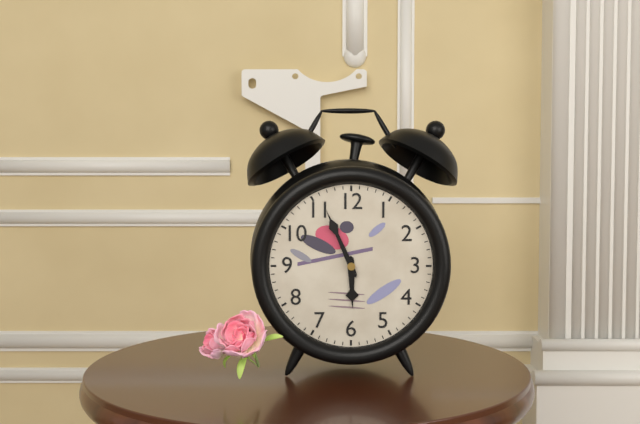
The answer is 5:56
